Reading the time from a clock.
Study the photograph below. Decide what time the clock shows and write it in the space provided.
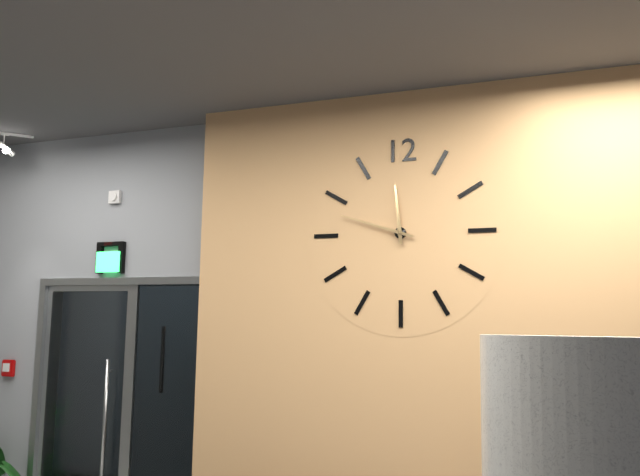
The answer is 11:48
